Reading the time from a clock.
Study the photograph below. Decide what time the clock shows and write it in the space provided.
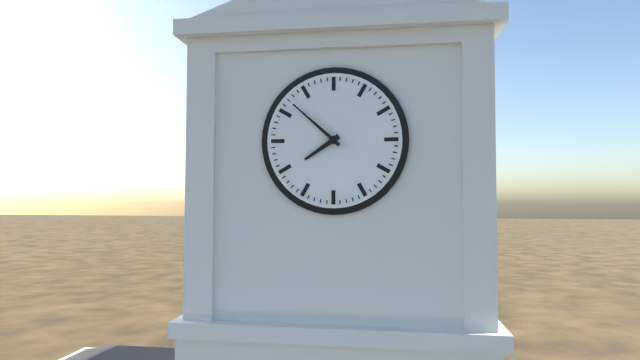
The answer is 7:52
